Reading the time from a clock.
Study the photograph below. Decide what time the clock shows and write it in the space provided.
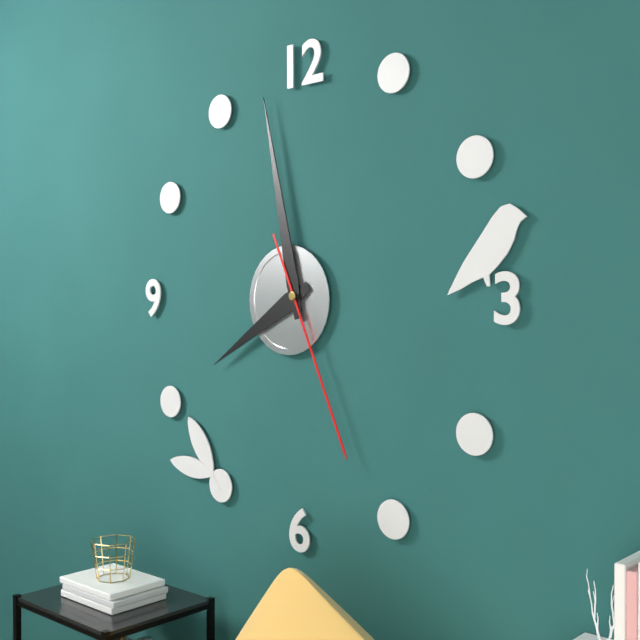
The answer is 7:58:26
